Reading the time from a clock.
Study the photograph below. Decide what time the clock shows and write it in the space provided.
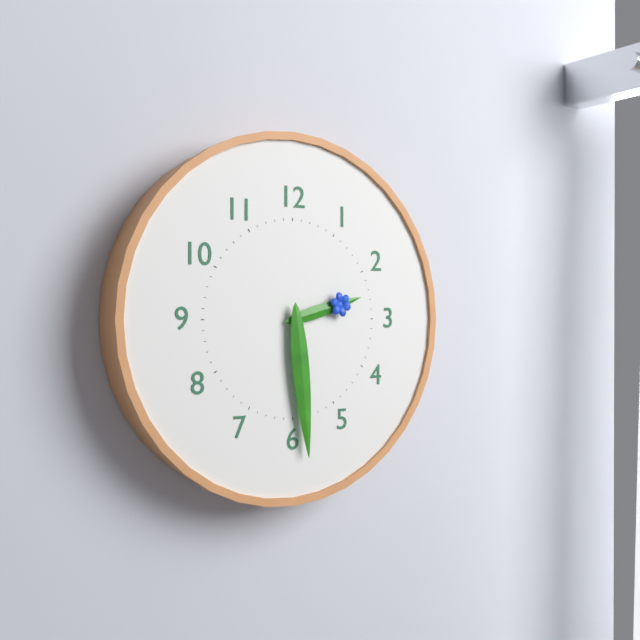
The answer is 2:29
